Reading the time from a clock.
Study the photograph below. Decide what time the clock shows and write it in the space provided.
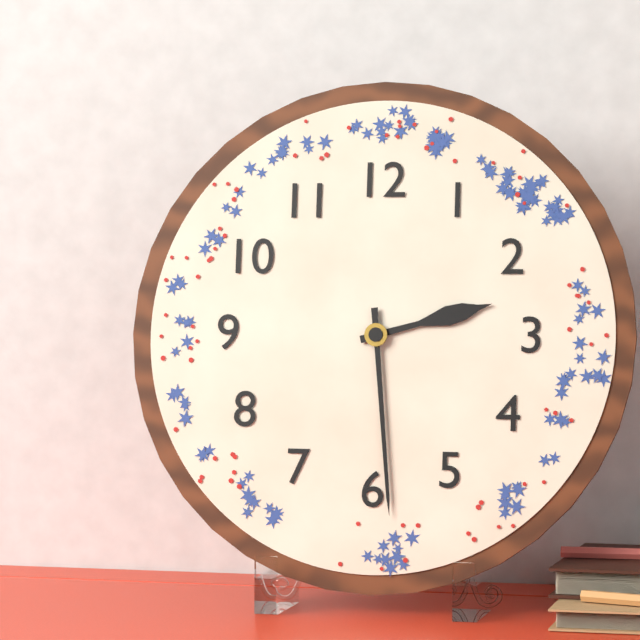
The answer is 2:29
